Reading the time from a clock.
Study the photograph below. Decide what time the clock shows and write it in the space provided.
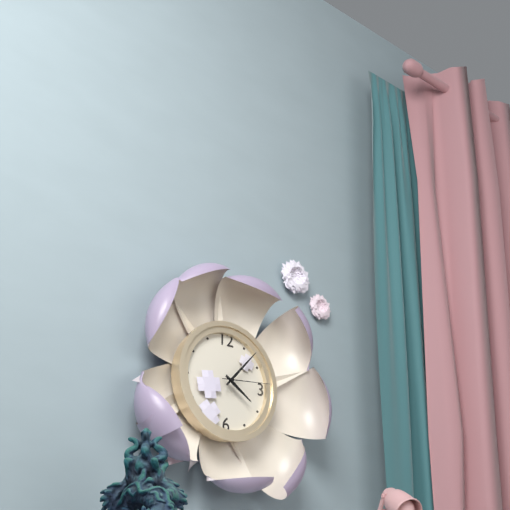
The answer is 4:07:14
